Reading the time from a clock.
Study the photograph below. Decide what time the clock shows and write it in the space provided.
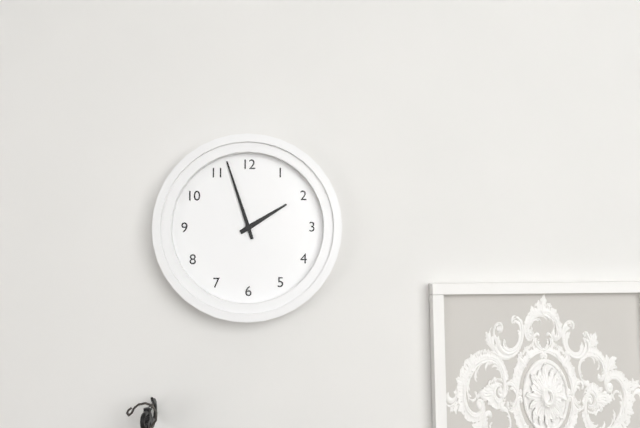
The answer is 1:57
